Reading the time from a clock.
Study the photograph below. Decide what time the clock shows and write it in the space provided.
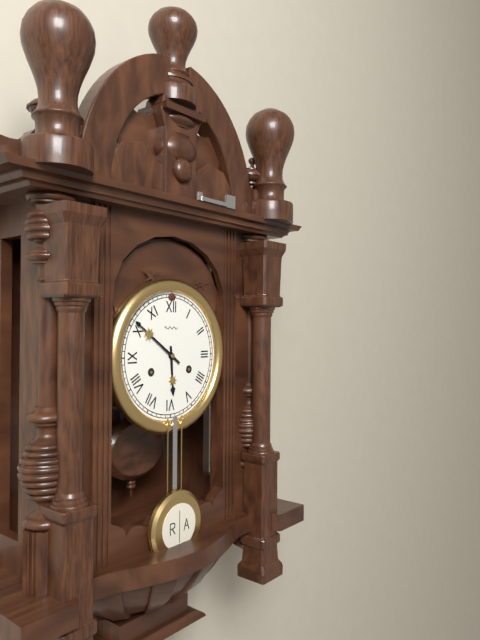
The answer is 5:51
